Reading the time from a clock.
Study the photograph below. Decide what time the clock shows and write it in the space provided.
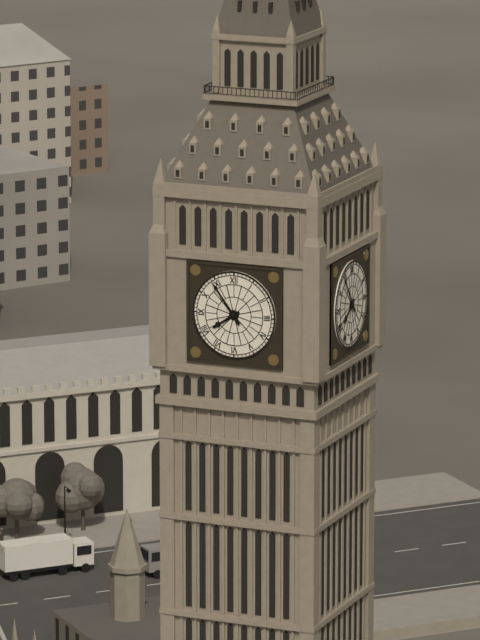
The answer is 7:54
